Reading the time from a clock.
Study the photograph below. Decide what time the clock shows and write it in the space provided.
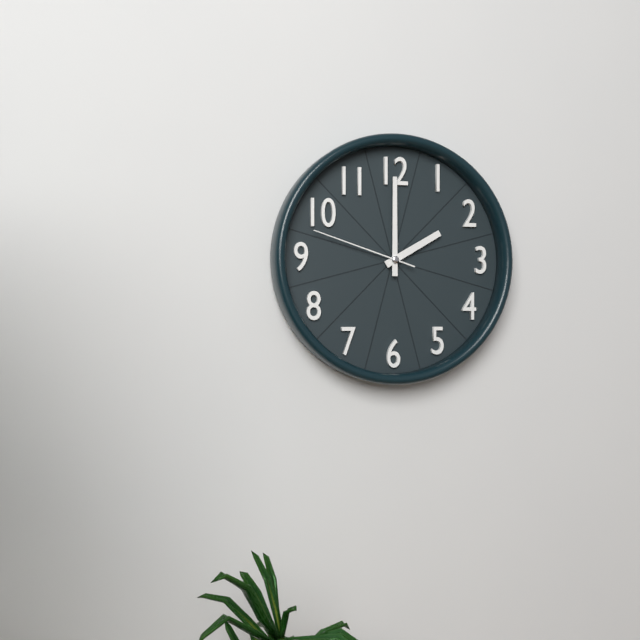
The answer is 2:00:48
